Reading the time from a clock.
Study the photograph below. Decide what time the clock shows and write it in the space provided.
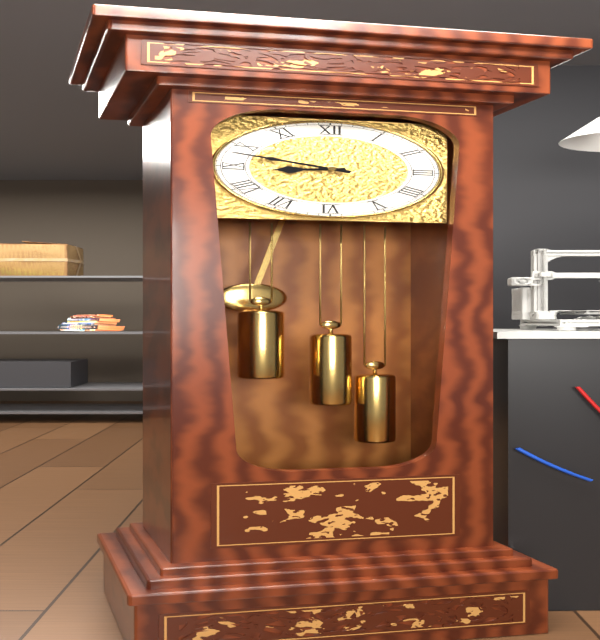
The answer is 8:48
